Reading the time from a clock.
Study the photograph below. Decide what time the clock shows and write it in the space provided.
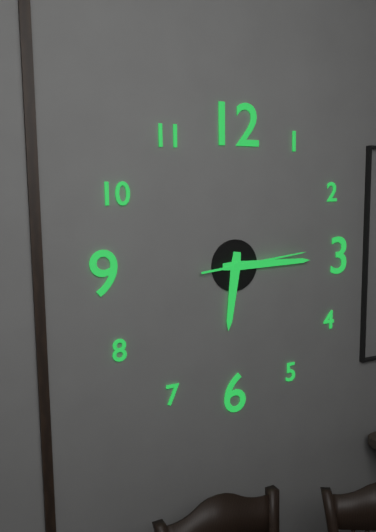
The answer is 6:15:14
